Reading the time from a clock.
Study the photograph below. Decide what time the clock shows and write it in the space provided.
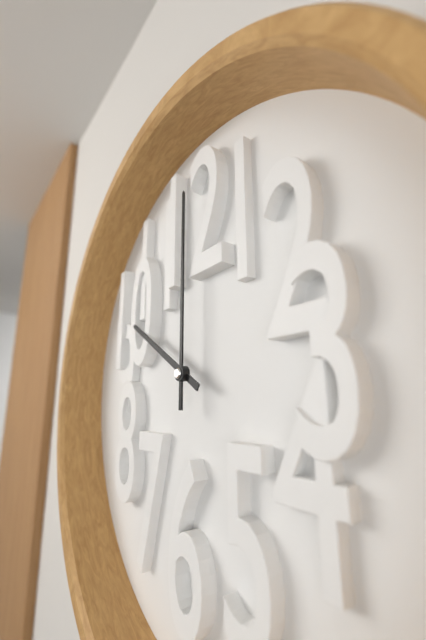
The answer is 10:00
